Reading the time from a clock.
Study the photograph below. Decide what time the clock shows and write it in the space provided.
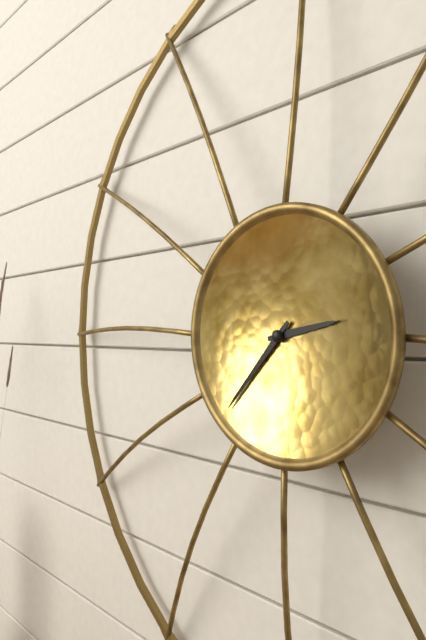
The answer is 2:37
